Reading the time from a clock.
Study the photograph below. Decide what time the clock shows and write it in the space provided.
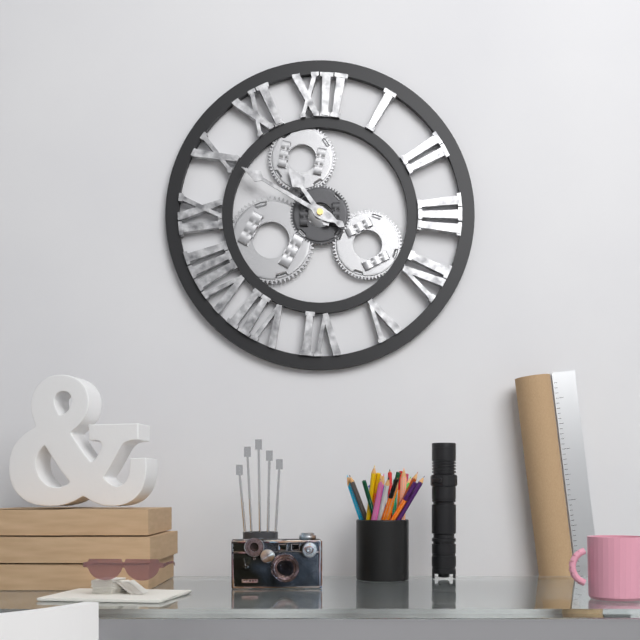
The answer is 10:50
